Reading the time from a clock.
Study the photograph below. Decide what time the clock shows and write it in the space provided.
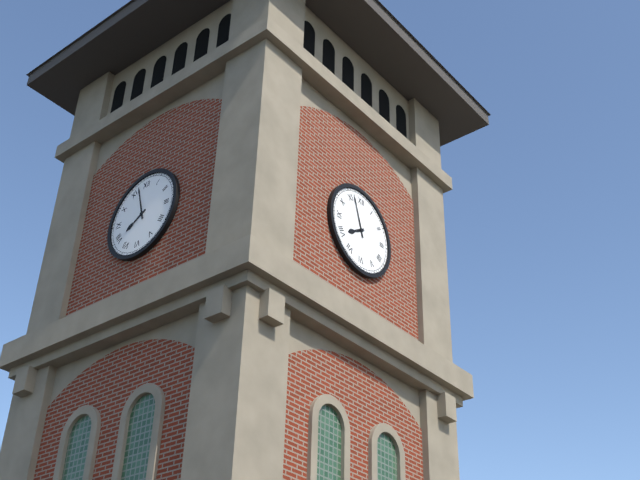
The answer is 7:57
